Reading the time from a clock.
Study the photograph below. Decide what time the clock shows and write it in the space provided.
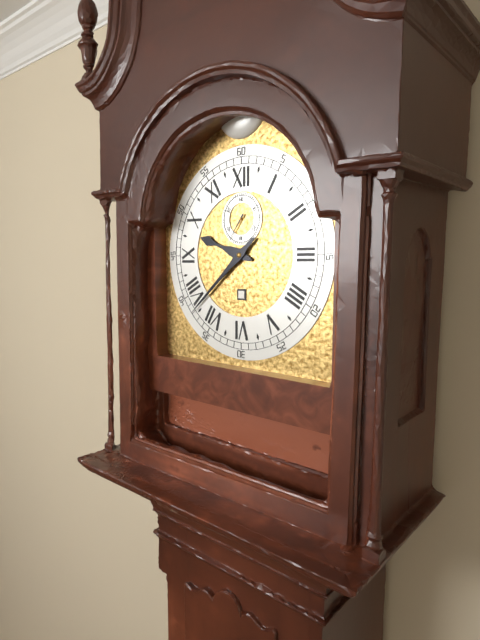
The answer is 9:38
